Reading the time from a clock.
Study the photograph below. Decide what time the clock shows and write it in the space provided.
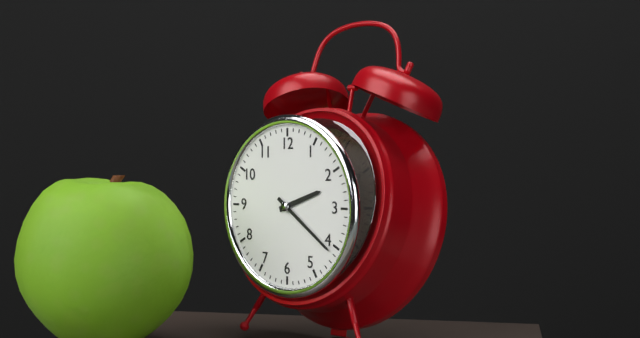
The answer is 2:21
